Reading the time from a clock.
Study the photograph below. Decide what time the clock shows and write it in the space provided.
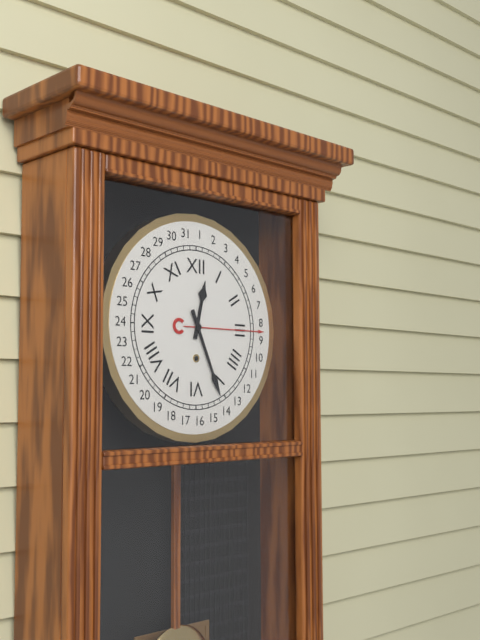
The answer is 12:26
